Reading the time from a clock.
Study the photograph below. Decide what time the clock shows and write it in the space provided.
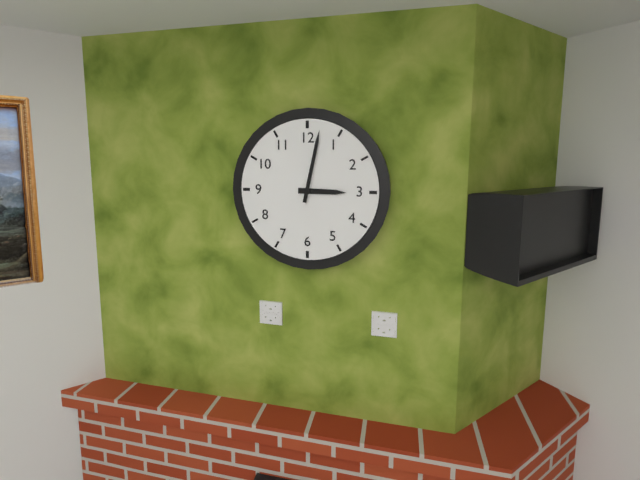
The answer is 3:02
